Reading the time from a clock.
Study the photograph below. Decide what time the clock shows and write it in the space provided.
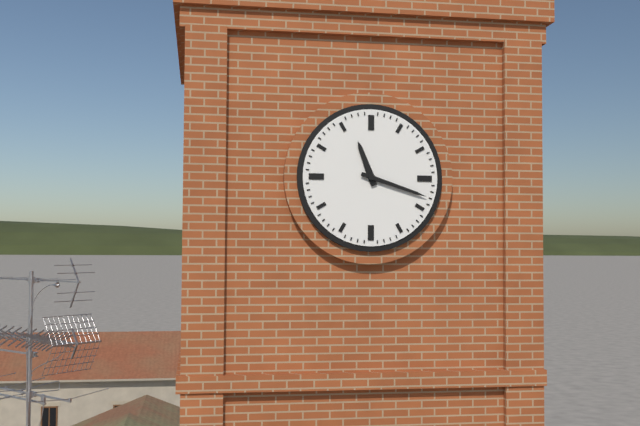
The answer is 11:18
